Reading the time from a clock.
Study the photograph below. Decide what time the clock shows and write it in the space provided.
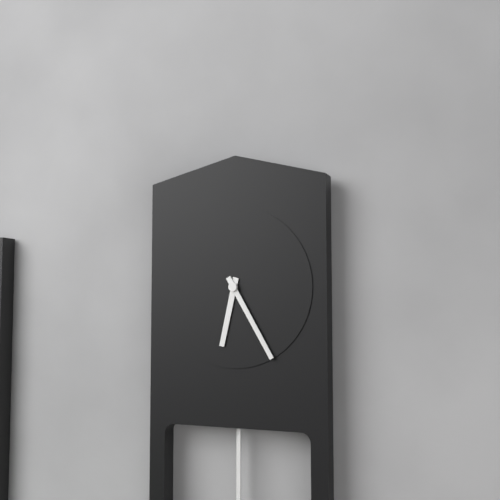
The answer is 6:25
